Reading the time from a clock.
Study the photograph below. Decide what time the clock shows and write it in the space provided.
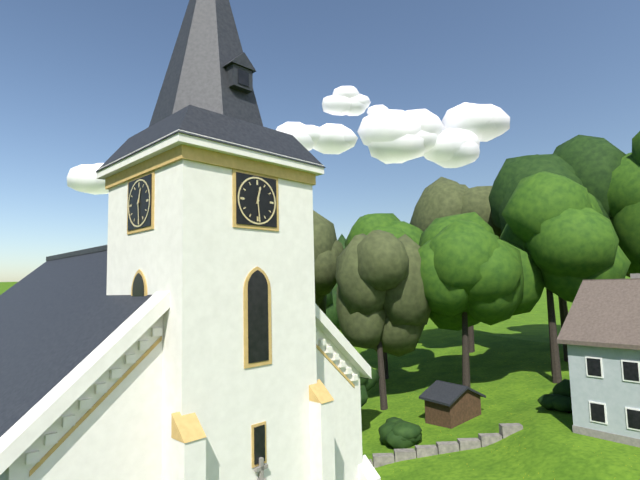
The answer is 12:29
